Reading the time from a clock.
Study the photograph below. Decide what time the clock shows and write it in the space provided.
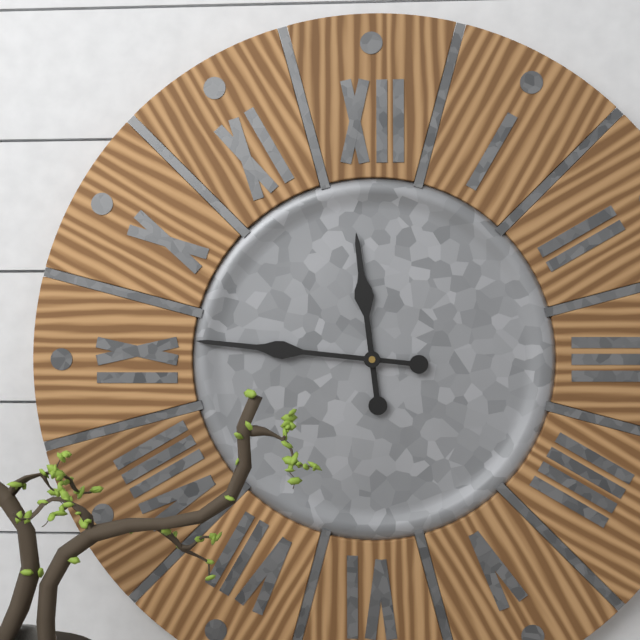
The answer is 11:46
